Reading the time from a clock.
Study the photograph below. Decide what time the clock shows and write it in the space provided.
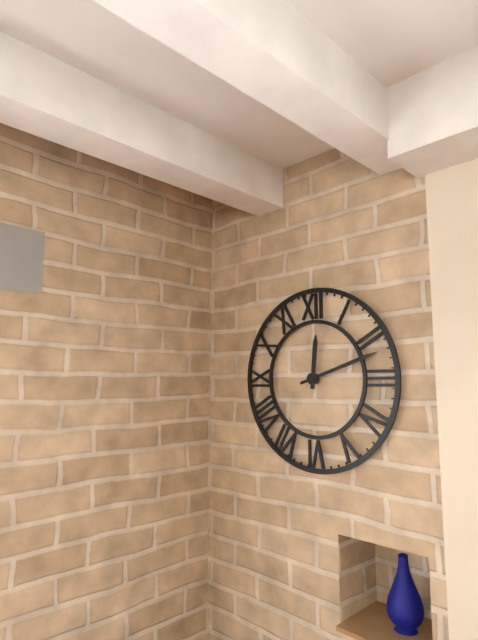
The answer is 12:12
